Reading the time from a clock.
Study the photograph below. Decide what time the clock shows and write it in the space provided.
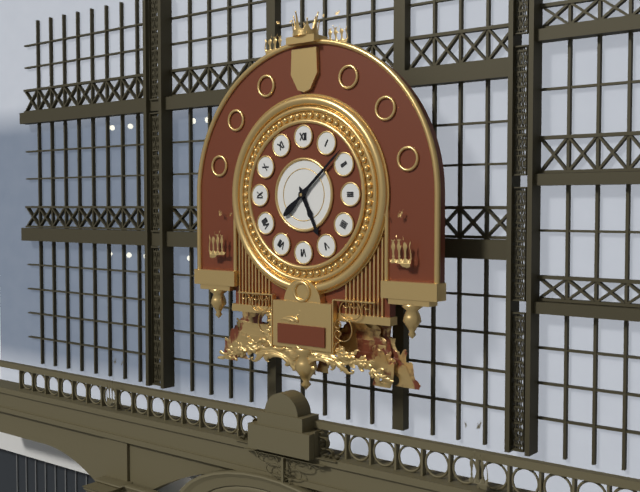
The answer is 5:08
